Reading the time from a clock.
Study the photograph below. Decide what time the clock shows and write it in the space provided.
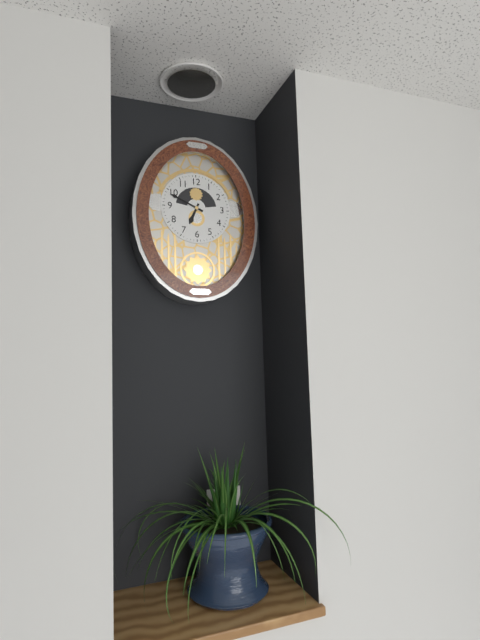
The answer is 6:49
